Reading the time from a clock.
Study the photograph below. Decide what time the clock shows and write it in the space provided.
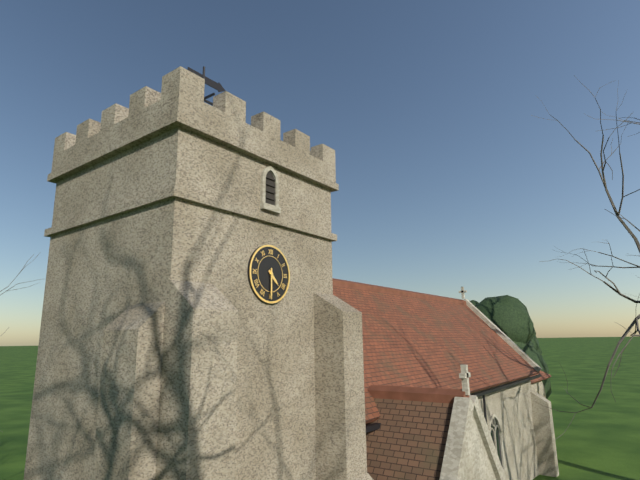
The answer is 4:30
